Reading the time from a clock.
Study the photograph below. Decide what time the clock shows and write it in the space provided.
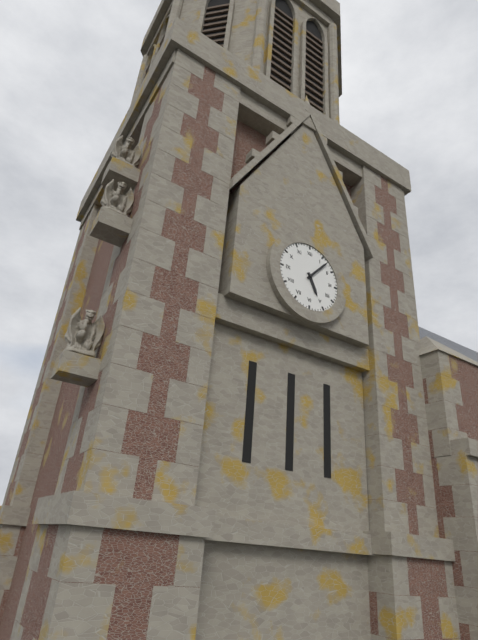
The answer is 5:07
